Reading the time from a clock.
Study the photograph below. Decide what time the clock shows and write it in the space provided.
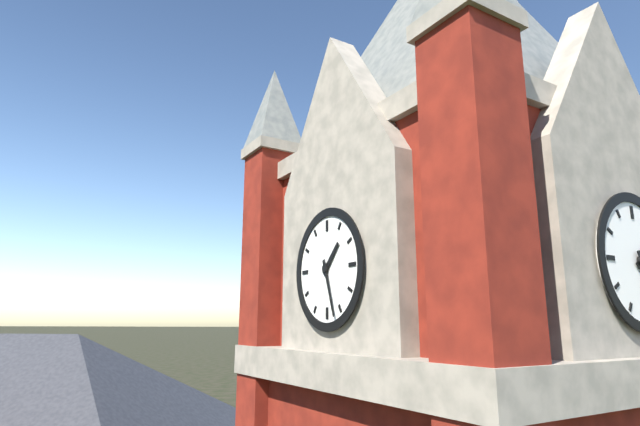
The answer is 1:27
